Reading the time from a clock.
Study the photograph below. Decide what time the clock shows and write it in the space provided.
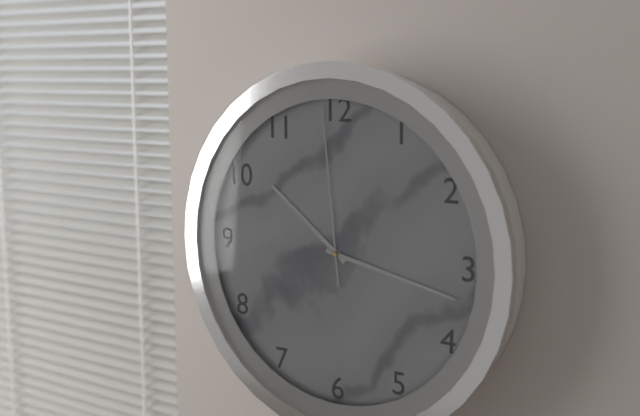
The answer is 10:17:59
